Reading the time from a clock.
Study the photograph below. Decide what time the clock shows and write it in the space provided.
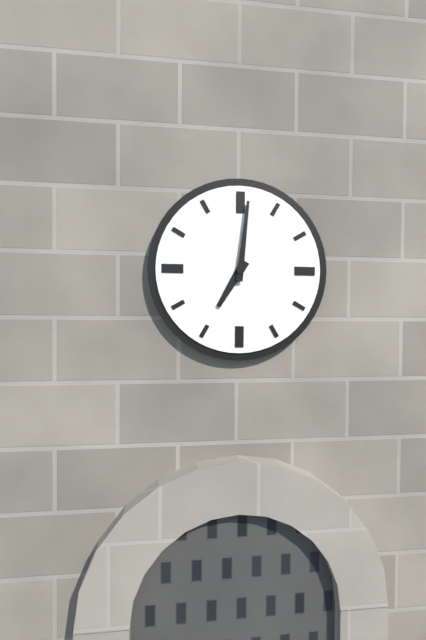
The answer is 7:01
